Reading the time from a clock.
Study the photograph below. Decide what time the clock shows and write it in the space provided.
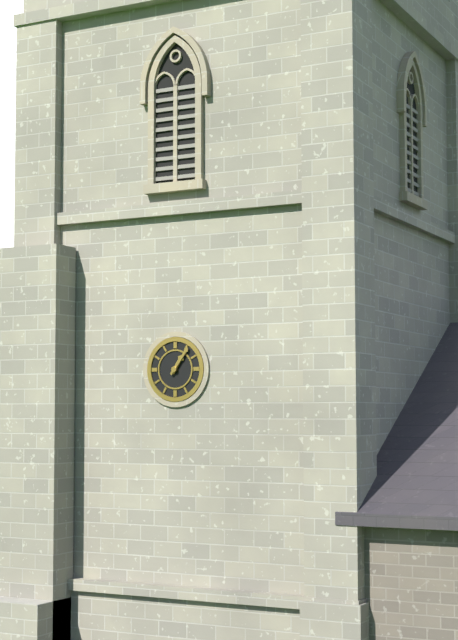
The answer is 1:06
